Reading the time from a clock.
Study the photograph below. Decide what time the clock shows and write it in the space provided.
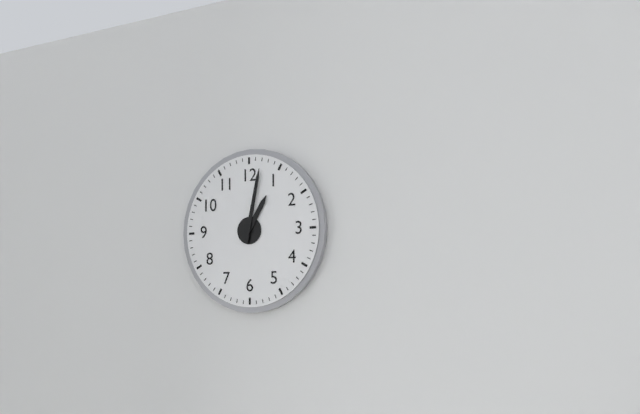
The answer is 1:02
